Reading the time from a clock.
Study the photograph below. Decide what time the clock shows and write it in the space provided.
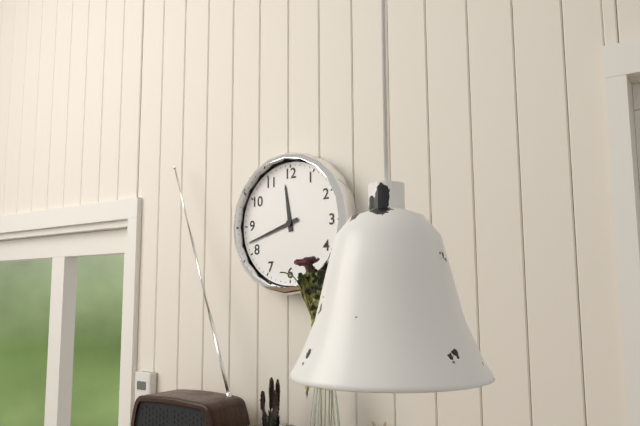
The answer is 11:42
